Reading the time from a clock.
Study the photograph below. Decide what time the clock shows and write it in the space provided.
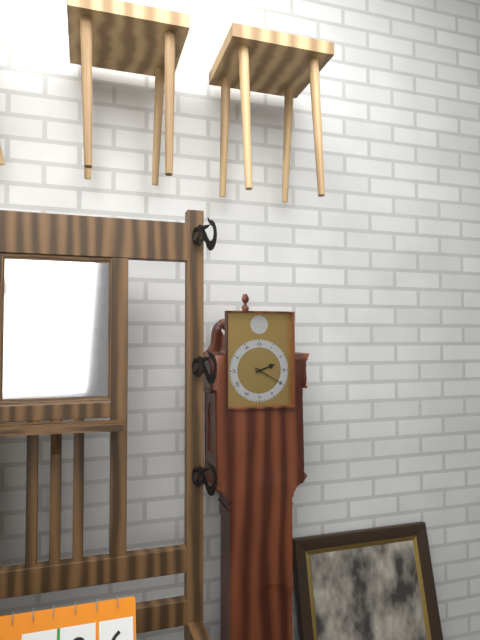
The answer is 2:20
